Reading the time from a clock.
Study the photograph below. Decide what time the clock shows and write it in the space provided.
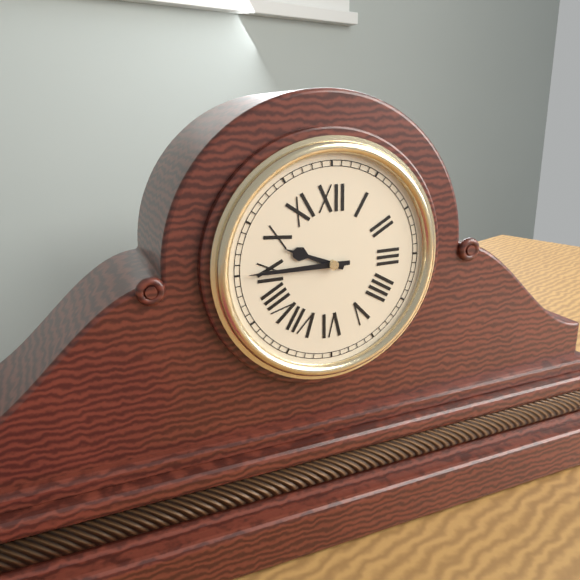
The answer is 9:45
